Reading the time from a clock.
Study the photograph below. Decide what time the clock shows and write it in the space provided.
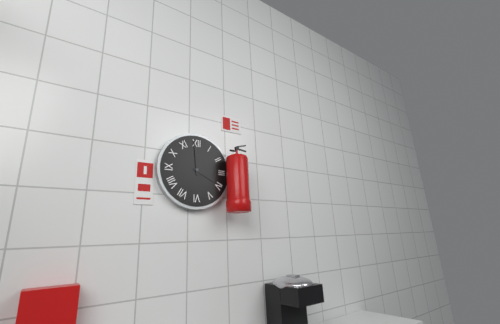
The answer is 3:59
